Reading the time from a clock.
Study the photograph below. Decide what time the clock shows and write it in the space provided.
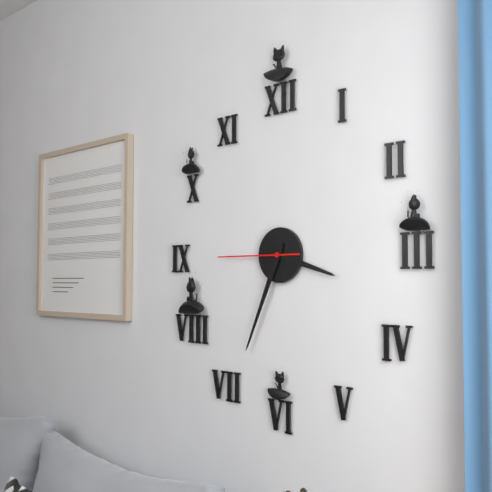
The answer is 3:34:45
